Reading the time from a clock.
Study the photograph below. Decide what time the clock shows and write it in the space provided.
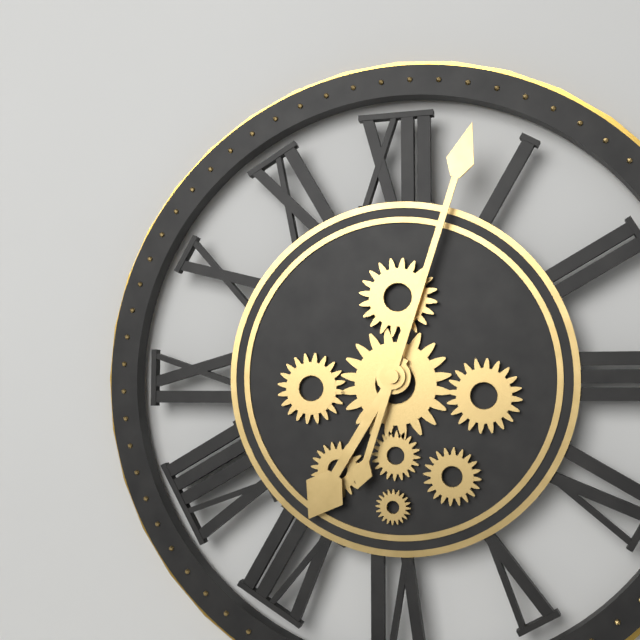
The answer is 7:03
